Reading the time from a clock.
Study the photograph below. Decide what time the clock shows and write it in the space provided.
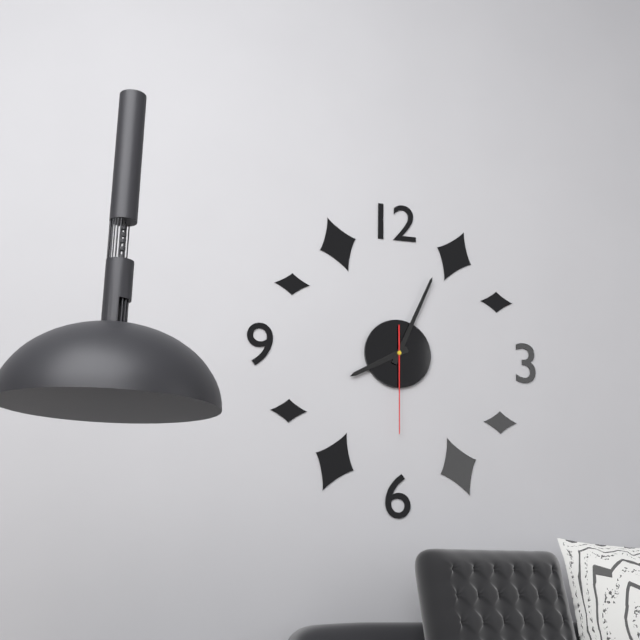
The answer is 8:04:30
